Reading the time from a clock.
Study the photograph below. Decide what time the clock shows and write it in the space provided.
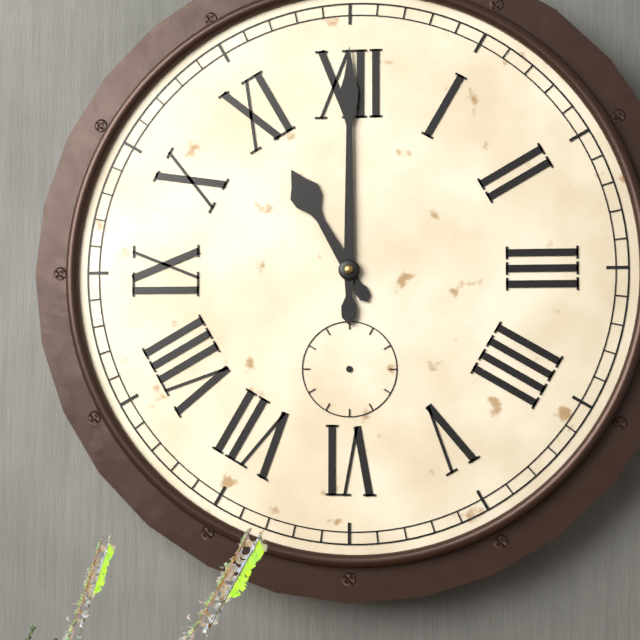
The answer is 11:00
